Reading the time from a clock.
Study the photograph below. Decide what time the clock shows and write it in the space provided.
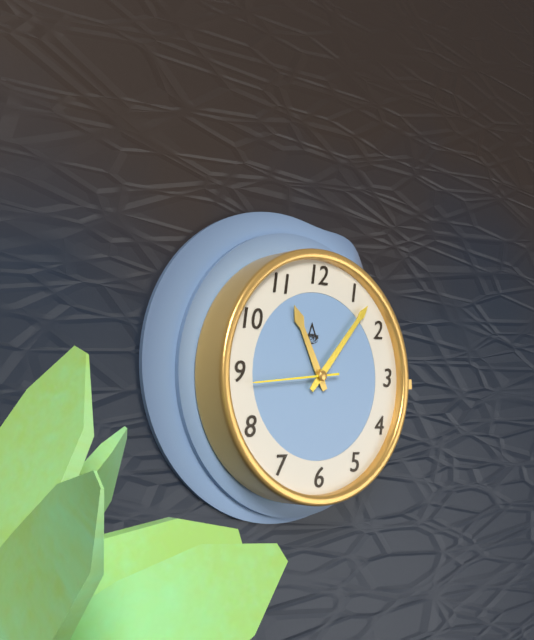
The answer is 11:07:44
